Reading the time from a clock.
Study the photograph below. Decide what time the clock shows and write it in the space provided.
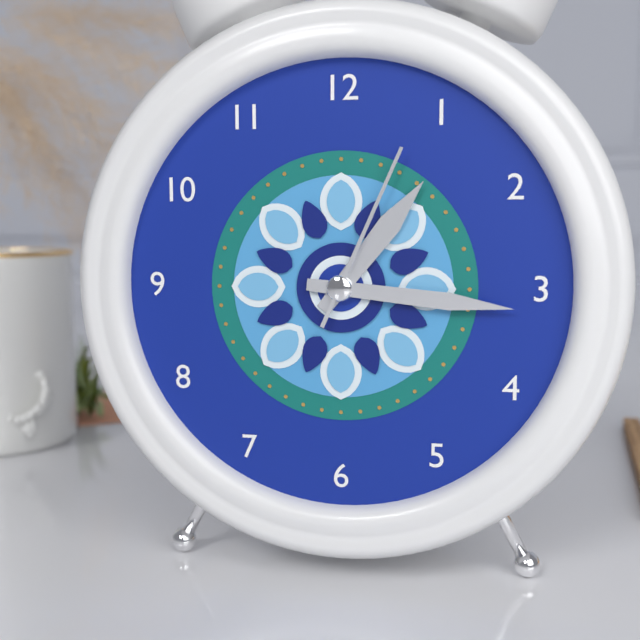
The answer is 1:16:04
